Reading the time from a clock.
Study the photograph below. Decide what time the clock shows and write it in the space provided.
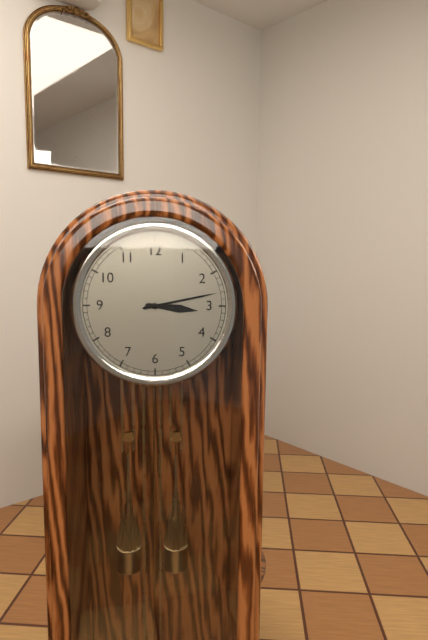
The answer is 3:13
